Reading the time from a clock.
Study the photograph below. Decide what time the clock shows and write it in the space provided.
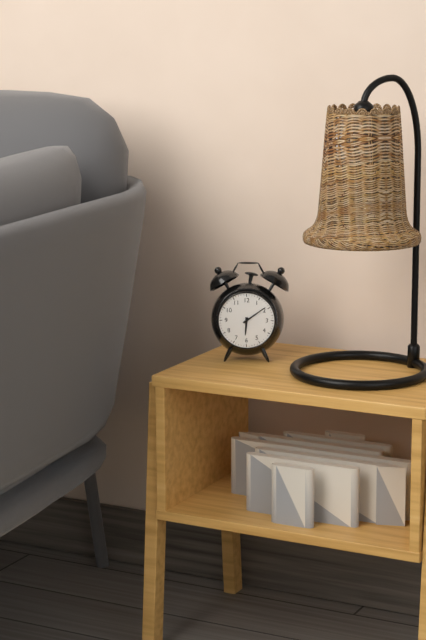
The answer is 6:09
